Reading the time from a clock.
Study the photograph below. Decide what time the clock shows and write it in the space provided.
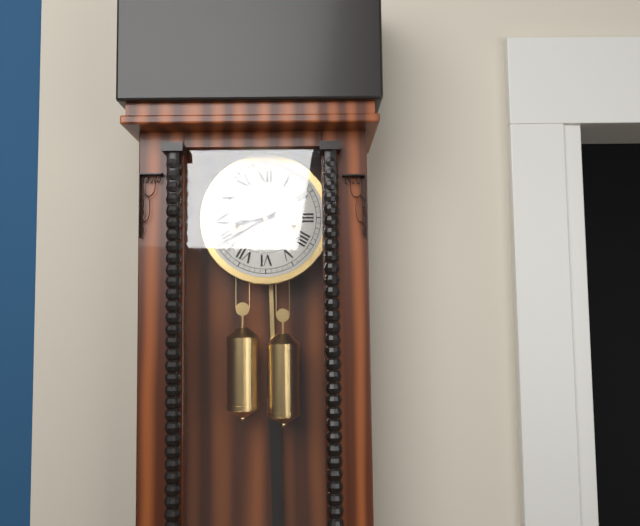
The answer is 8:40
